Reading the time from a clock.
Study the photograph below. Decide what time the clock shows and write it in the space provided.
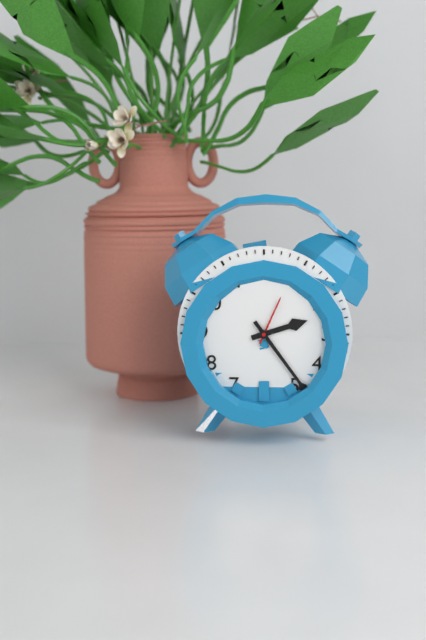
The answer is 2:24:04
